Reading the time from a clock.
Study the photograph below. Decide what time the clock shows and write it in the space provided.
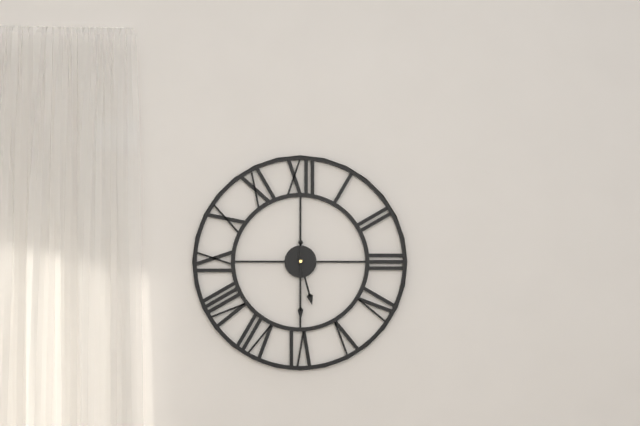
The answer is 5:30
